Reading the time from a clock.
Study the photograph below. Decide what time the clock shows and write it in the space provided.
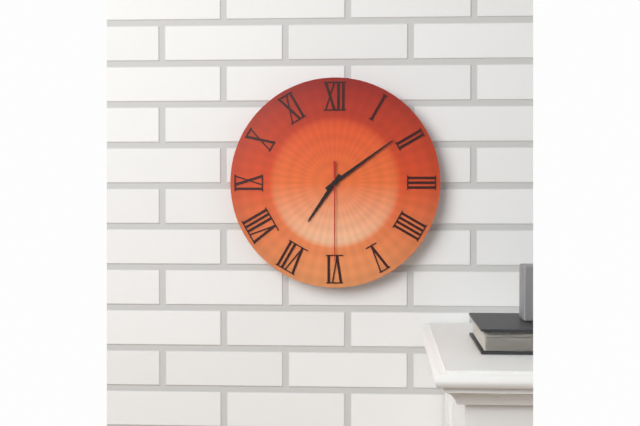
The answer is 7:09:30
